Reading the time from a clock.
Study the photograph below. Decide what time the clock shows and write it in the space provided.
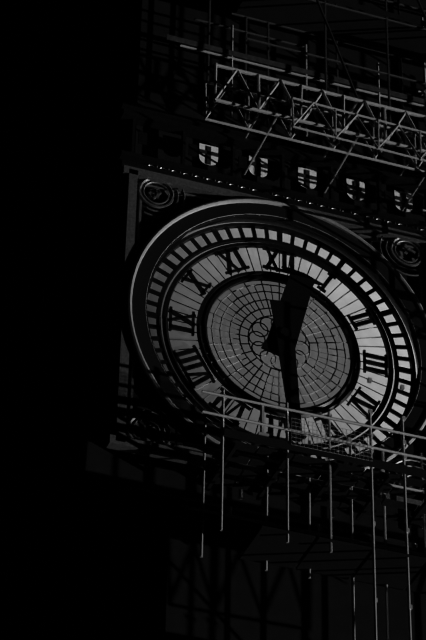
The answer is 12:29
